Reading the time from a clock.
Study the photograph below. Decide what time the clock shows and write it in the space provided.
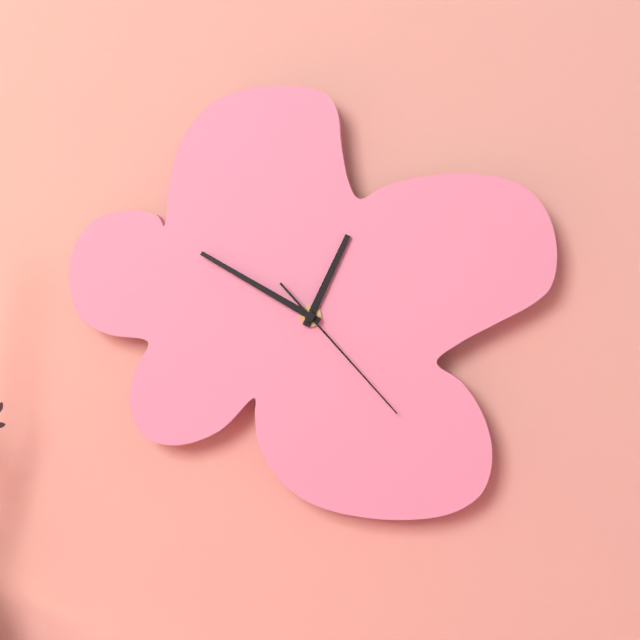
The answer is 12:50:23
